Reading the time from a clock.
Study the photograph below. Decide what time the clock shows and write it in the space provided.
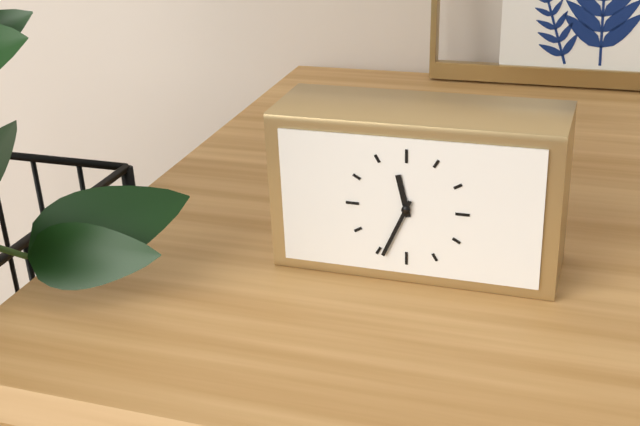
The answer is 11:34
